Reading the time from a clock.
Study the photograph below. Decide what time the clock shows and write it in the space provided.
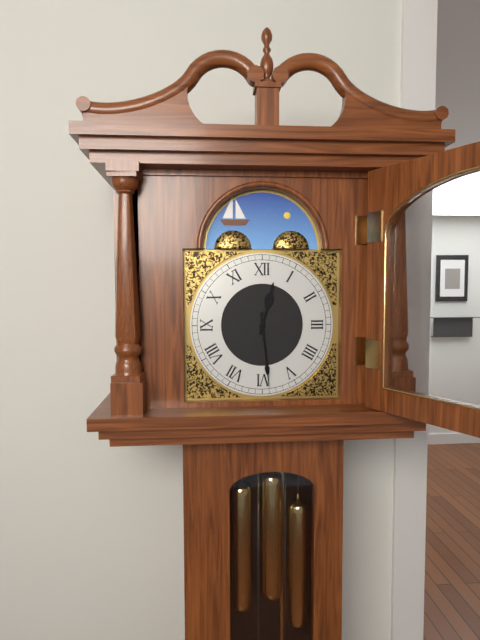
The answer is 12:29
